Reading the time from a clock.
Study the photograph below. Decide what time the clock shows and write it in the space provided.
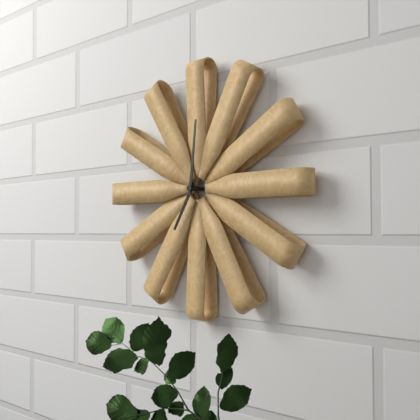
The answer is 7:01
